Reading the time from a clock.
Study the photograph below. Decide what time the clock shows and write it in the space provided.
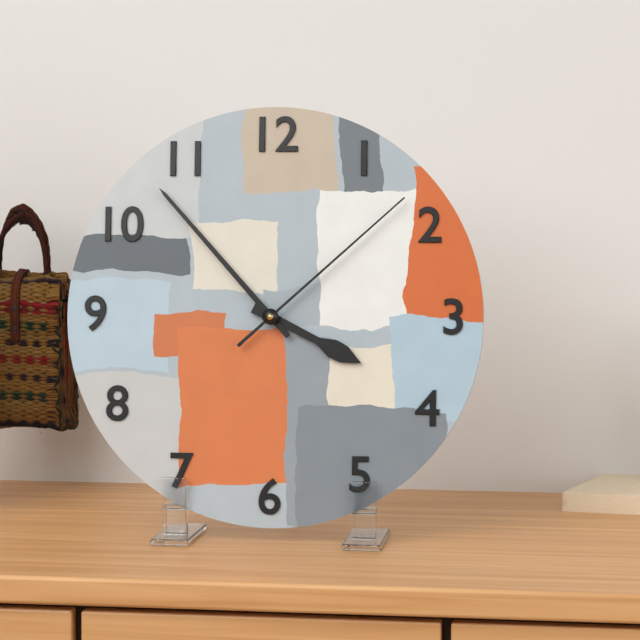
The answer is 3:53:08
